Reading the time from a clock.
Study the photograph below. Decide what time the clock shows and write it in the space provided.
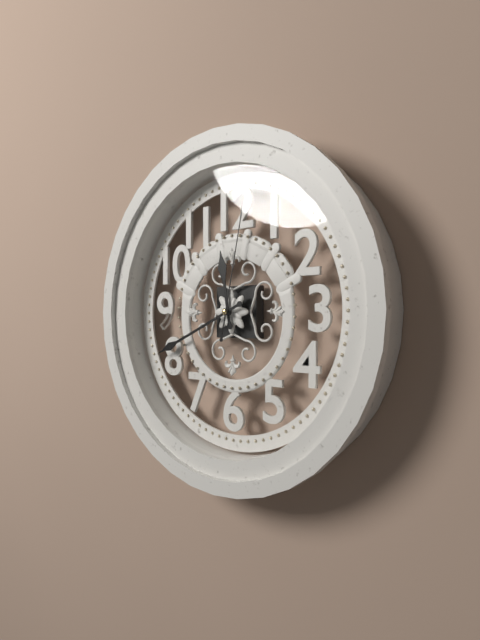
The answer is 11:41:02
